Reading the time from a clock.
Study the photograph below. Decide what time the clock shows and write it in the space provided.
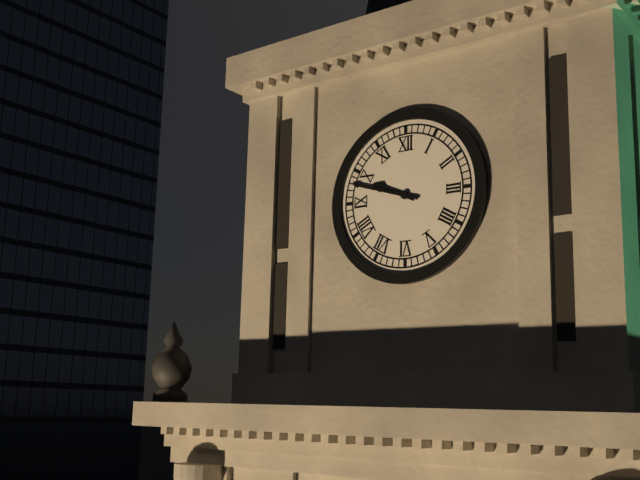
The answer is 9:48
